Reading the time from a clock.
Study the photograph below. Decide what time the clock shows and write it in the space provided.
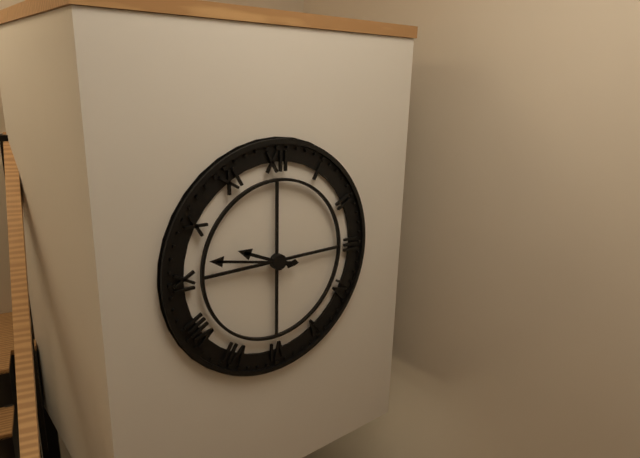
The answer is 9:47
